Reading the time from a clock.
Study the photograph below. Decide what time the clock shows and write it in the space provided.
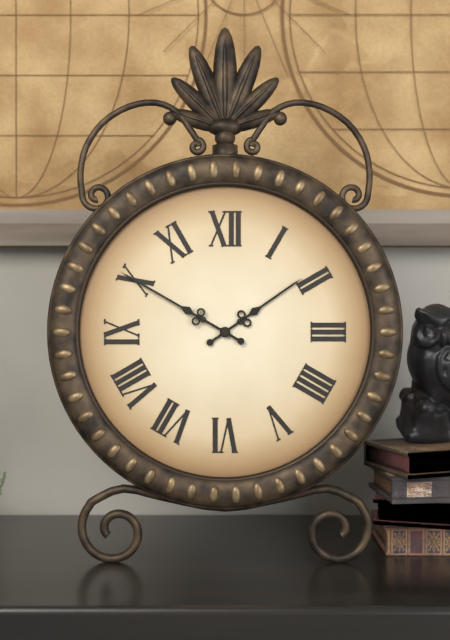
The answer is 1:50
